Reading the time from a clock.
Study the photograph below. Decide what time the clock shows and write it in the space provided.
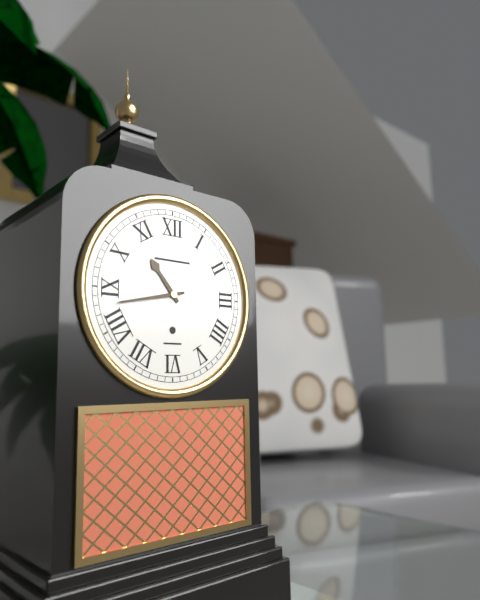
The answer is 10:43
